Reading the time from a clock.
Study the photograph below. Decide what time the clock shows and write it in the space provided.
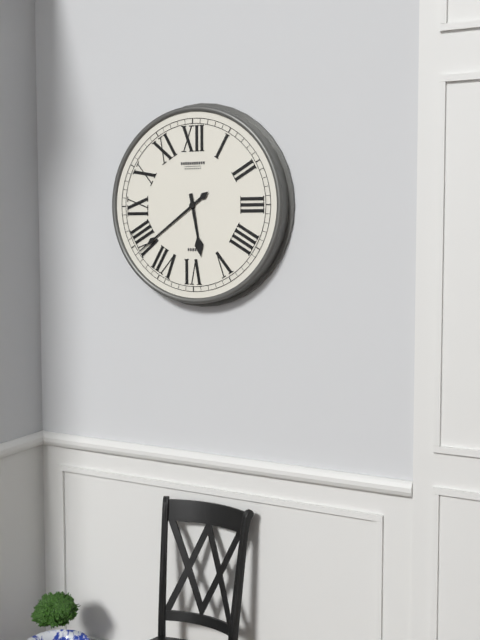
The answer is 5:39
